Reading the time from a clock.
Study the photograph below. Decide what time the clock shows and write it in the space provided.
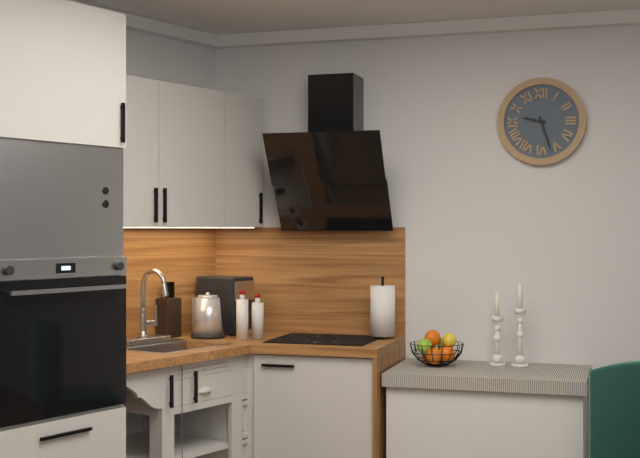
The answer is 9:27
